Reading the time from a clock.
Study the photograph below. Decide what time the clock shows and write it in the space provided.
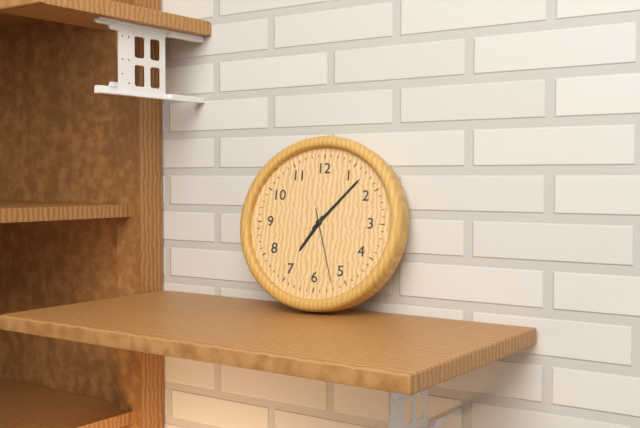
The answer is 7:07:27
